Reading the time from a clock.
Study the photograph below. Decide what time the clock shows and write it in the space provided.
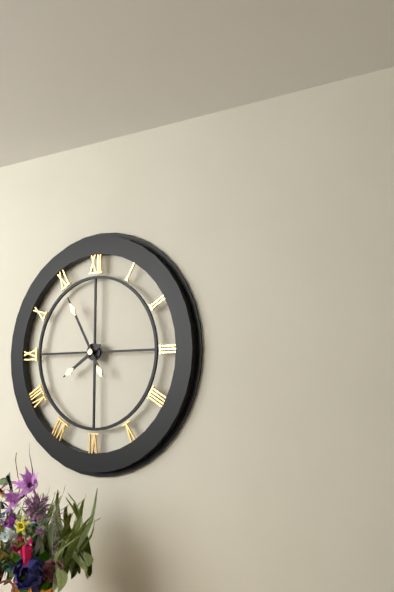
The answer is 7:55
